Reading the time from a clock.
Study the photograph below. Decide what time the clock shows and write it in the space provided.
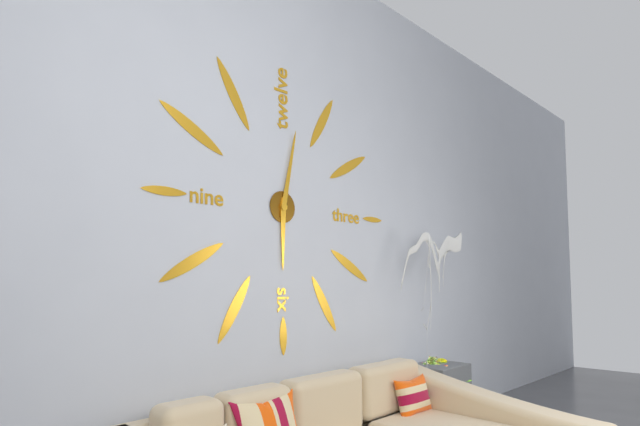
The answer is 6:02
